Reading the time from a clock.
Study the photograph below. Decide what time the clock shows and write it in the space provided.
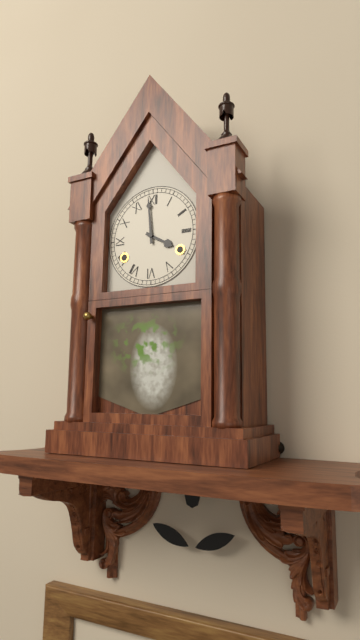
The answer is 3:59
